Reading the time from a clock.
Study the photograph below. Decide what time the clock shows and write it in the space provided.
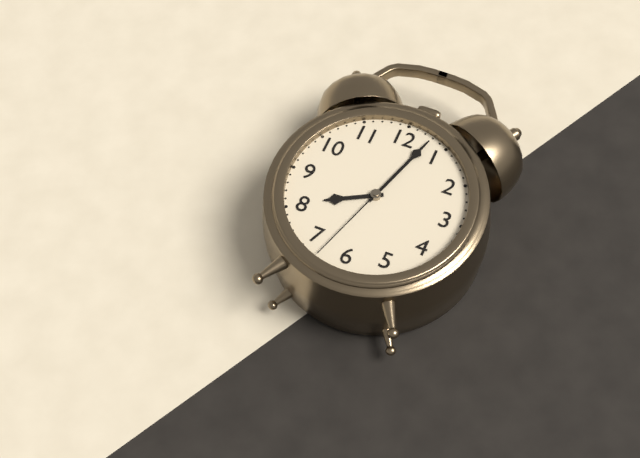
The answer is 8:03:33
